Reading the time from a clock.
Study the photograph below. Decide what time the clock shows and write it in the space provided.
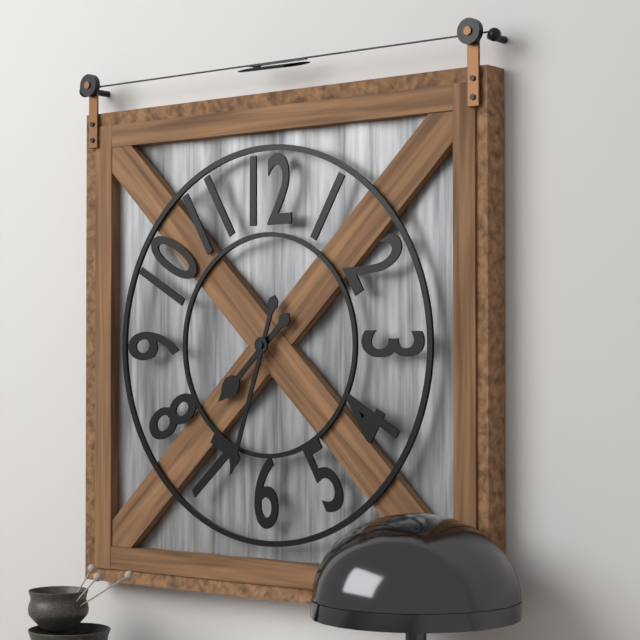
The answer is 7:33
